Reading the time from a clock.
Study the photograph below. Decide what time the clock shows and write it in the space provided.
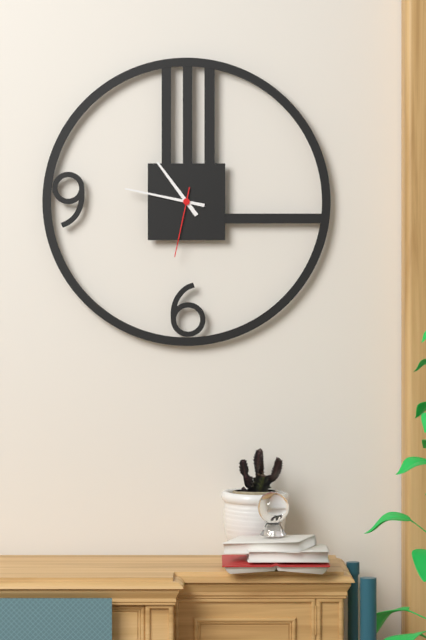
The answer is 10:47:32
